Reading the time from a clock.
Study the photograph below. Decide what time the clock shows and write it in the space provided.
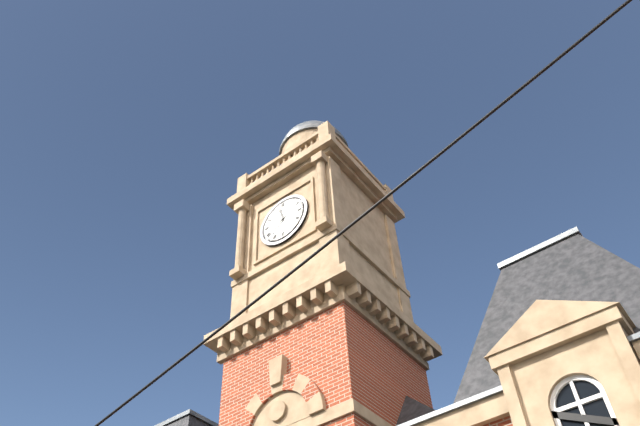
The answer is 11:38
